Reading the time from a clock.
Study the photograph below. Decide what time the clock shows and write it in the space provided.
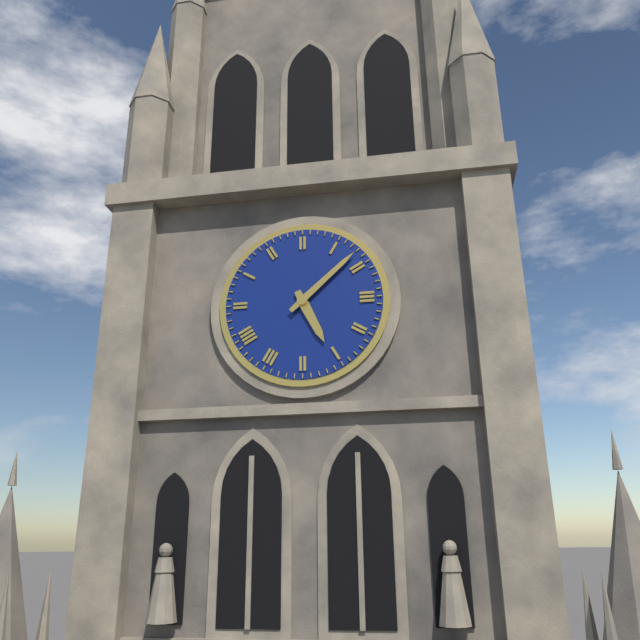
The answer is 5:08
